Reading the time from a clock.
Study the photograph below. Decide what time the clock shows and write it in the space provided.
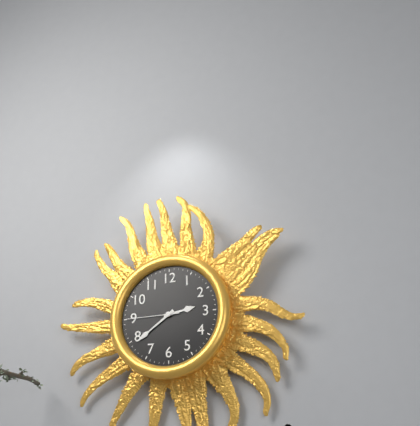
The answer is 2:39:45
